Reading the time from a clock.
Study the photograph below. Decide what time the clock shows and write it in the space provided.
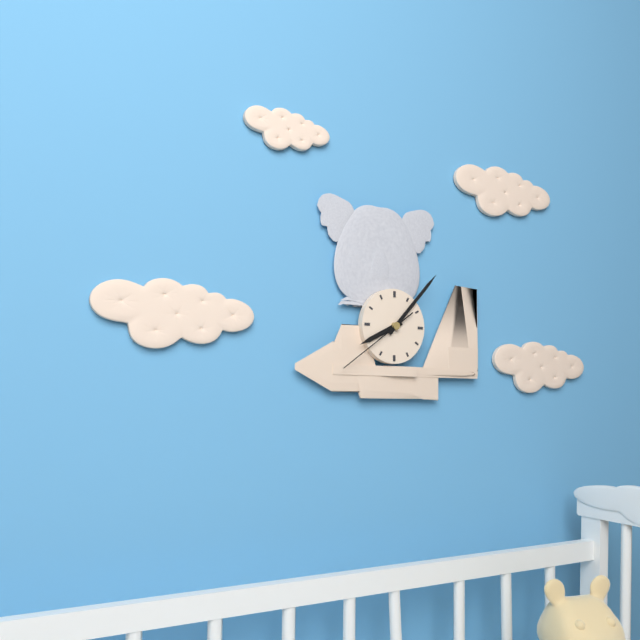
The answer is 8:07:39
